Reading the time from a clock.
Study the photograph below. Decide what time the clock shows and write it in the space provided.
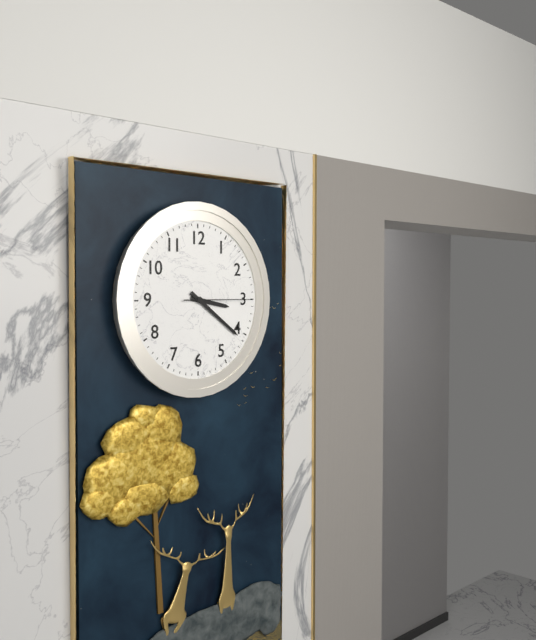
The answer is 3:21:15
